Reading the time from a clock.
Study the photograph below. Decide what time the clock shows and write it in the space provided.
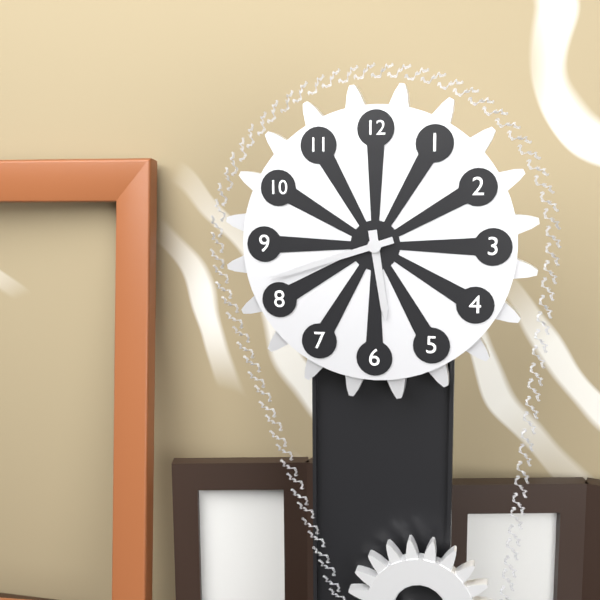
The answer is 5:42
